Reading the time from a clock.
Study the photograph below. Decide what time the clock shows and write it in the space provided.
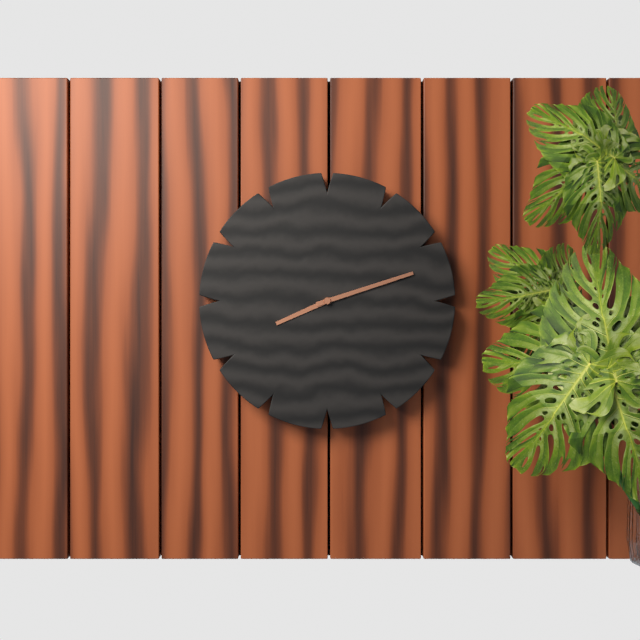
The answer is 8:12
